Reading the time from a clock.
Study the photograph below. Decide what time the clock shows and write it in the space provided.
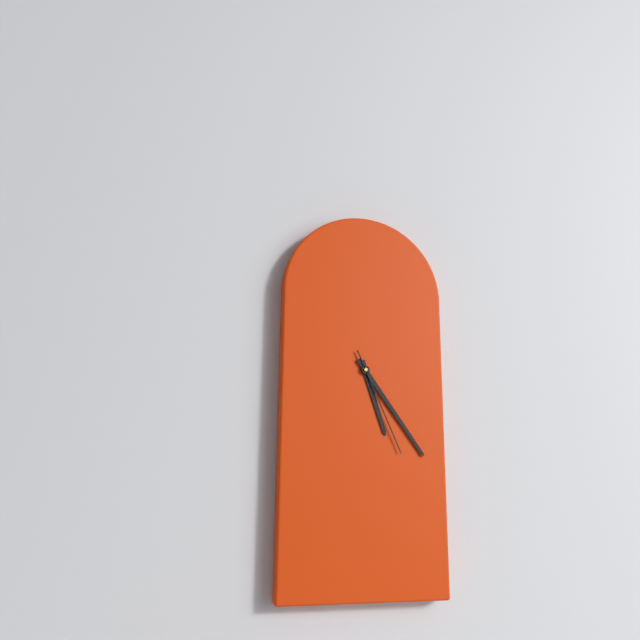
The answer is 5:24:26
